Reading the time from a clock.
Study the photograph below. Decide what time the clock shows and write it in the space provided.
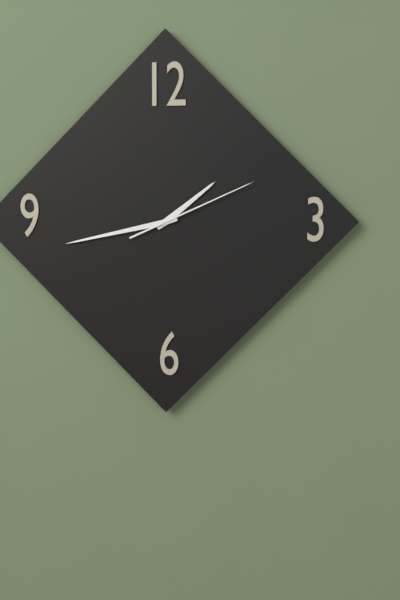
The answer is 1:43:11
